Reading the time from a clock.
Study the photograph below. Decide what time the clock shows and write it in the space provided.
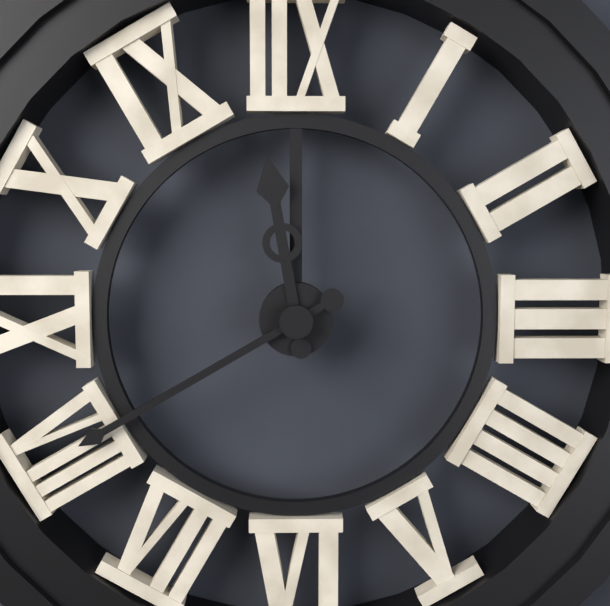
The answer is 11:40
